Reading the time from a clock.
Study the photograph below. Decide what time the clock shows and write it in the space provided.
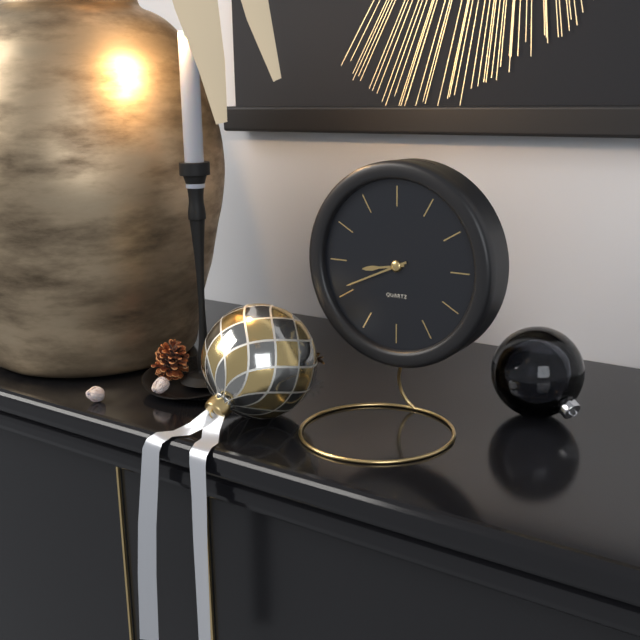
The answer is 8:41
